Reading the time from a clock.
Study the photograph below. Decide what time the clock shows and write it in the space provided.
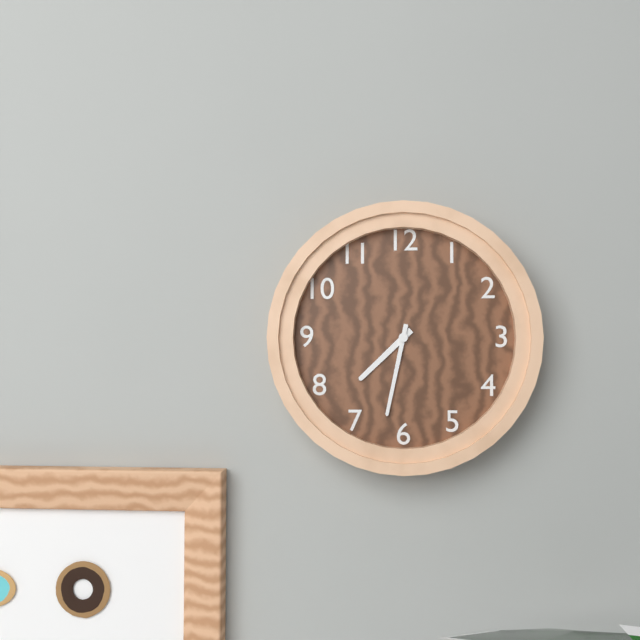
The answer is 7:32
